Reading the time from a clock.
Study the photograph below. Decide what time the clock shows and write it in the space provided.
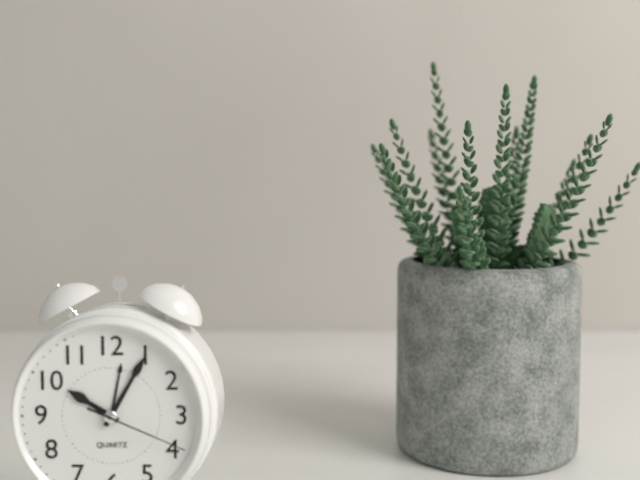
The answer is 10:05:19
